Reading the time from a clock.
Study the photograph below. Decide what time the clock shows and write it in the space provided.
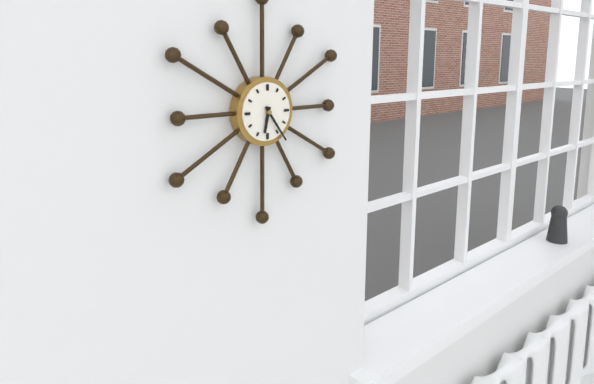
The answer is 6:24
